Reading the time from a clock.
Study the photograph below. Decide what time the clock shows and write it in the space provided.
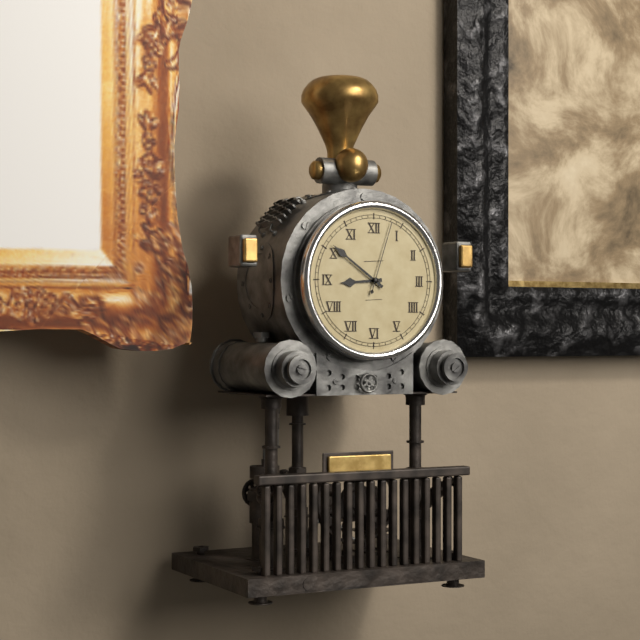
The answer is 8:51:03
